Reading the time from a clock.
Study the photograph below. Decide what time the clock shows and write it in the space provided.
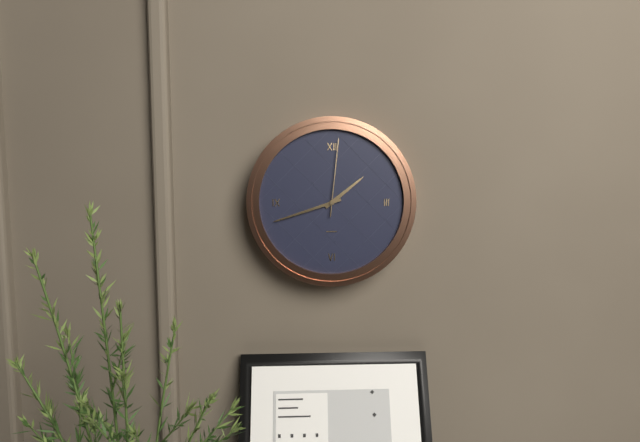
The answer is 1:42:01
